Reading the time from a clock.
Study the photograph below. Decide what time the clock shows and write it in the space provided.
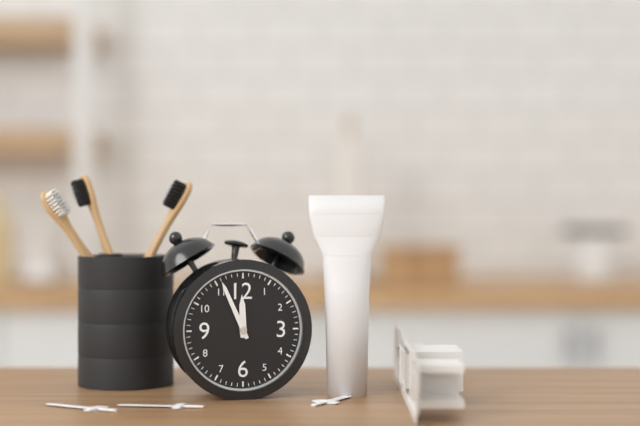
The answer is 11:56
